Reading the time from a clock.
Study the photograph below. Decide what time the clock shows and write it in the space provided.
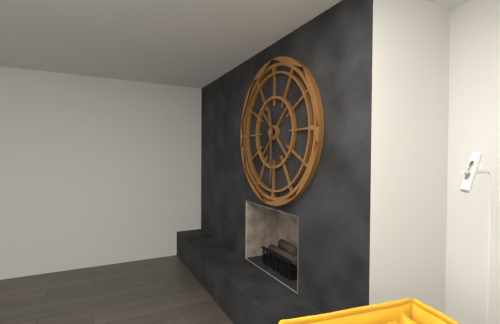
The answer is 11:30
